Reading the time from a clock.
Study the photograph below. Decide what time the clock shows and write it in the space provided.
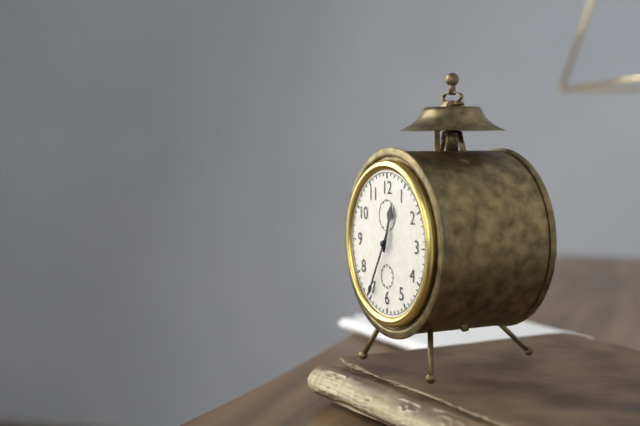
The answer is 12:35
